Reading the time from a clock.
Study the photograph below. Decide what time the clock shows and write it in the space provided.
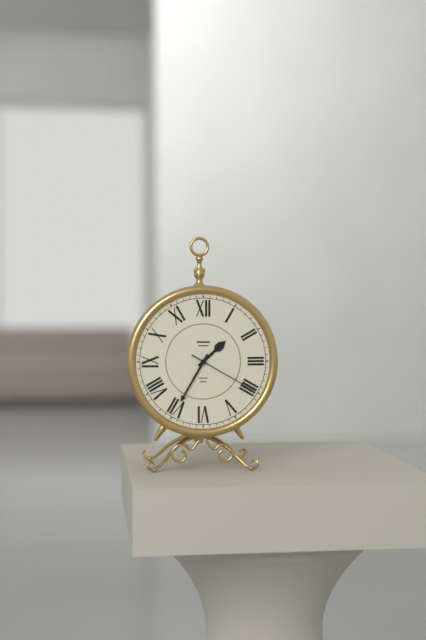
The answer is 1:35:20
